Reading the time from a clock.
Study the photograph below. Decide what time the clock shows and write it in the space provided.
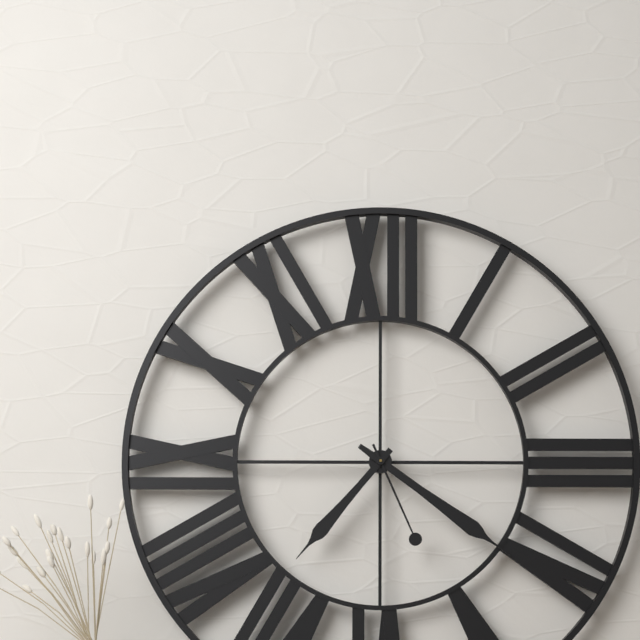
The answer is 7:21:26
